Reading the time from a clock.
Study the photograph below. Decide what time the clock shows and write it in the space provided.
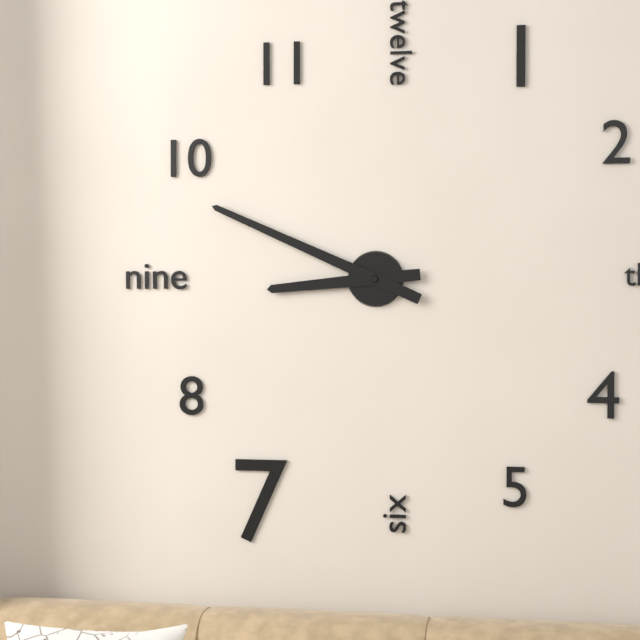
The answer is 8:49
